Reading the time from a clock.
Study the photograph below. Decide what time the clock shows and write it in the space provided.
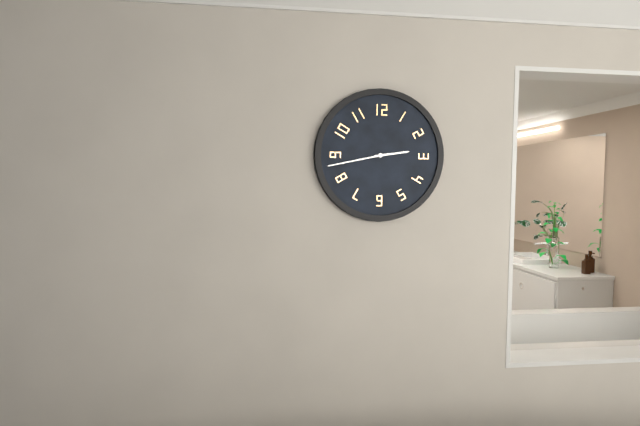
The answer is 2:43
